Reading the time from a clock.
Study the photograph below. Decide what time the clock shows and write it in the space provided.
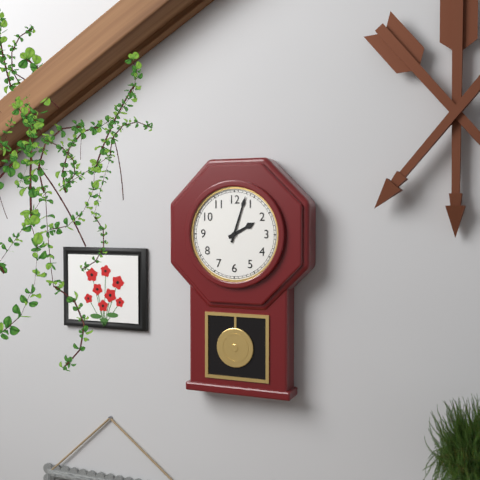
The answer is 2:03
